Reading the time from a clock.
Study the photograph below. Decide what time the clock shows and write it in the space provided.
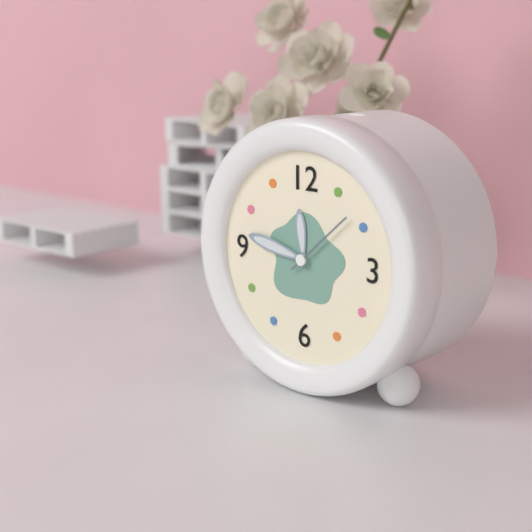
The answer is 11:47:08
